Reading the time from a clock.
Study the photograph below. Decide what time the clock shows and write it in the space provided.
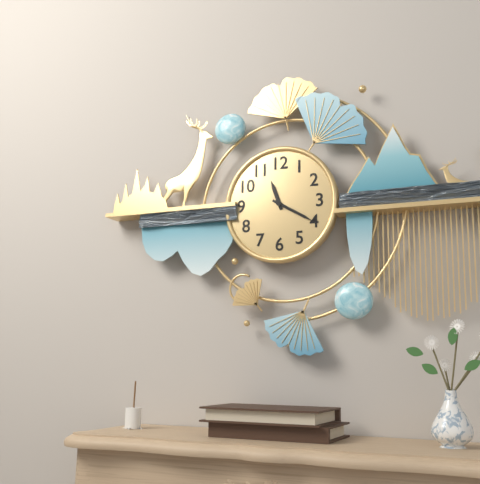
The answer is 11:20
